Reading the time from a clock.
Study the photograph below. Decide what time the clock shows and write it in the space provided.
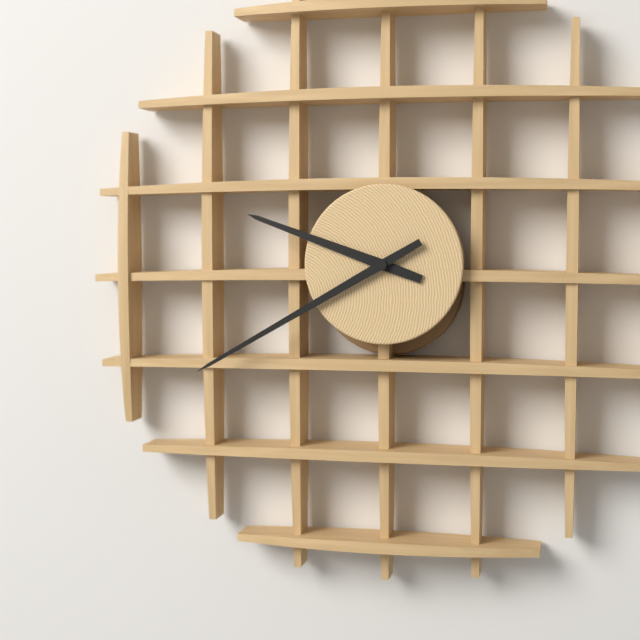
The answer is 9:40
